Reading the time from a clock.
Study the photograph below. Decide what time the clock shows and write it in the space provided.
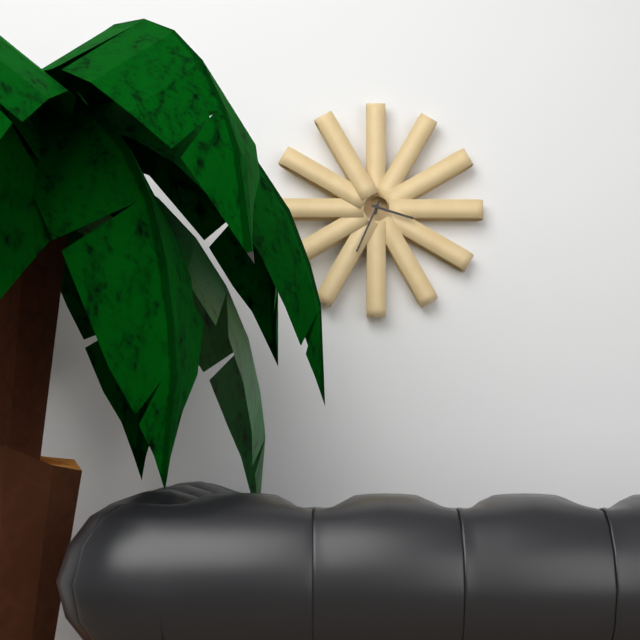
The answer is 3:34
